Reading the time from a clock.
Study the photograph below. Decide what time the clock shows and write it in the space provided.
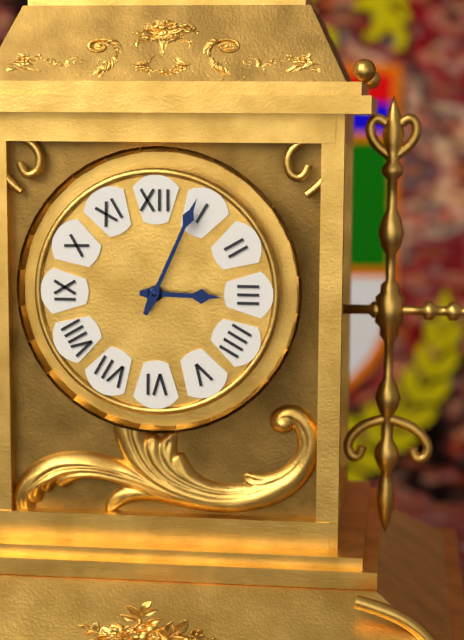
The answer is 3:04
